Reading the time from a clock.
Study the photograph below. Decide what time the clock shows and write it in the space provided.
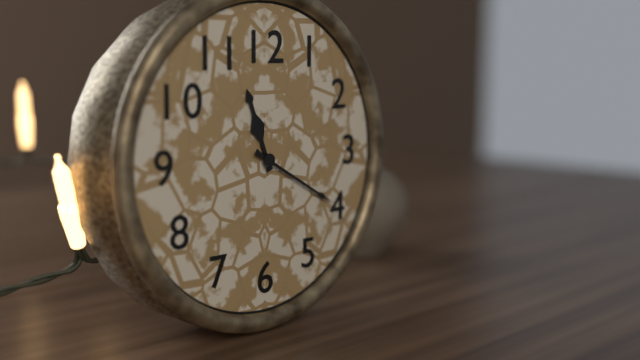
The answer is 11:20
